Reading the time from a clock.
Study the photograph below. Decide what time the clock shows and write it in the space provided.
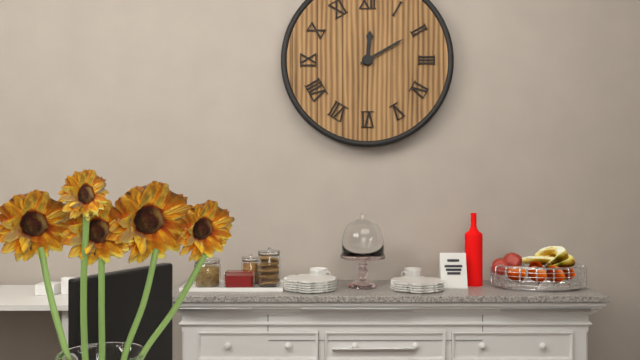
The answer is 12:10
